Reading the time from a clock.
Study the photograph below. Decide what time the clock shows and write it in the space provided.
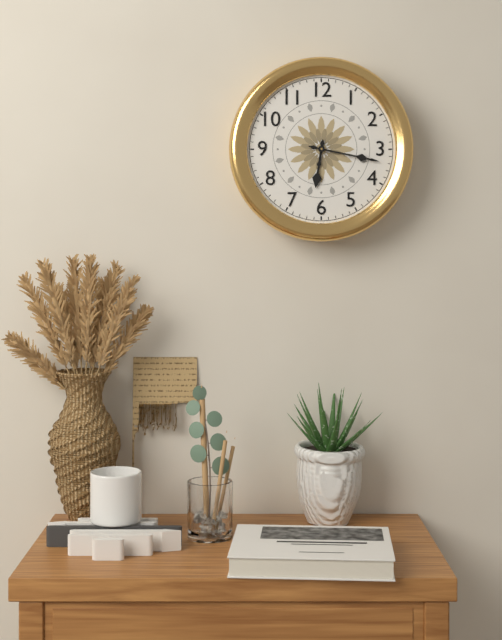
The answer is 6:17
